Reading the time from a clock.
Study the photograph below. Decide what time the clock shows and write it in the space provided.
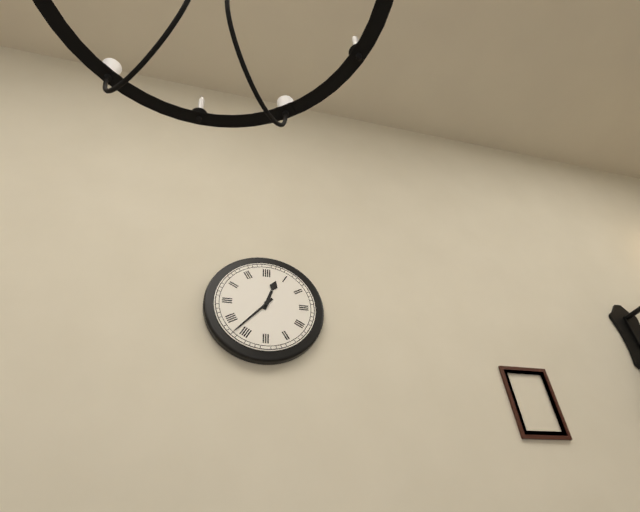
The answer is 12:37
